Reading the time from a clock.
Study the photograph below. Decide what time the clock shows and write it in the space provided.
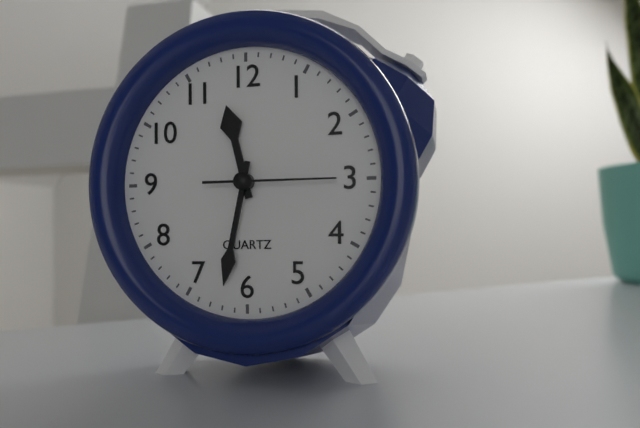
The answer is 11:32:15
